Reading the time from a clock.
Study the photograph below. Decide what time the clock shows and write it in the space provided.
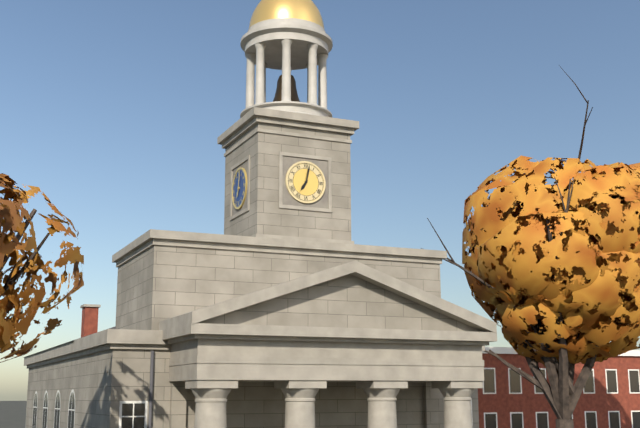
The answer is 7:02
